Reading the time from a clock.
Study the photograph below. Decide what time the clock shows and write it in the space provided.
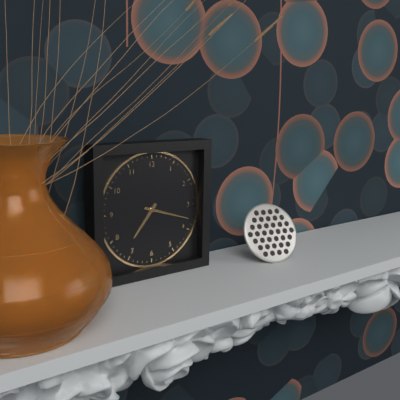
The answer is 7:18
